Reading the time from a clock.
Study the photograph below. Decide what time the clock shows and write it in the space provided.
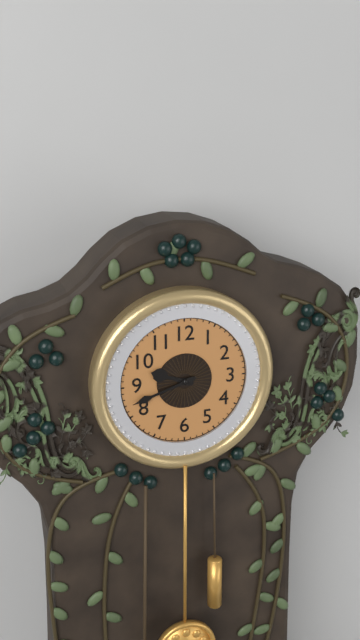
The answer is 9:42
